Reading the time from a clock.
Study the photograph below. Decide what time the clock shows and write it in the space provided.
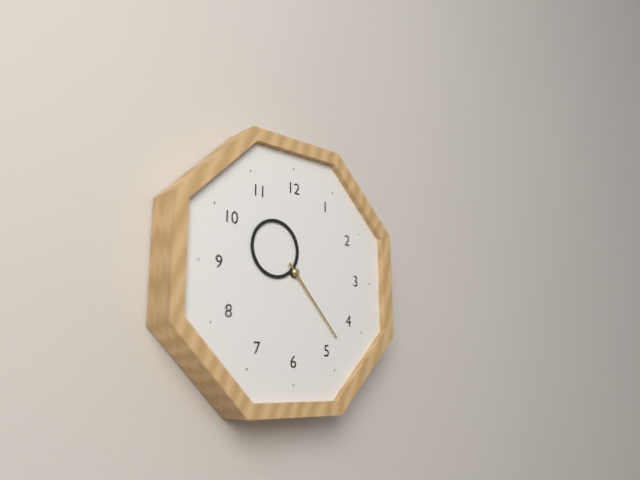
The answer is 10:23
